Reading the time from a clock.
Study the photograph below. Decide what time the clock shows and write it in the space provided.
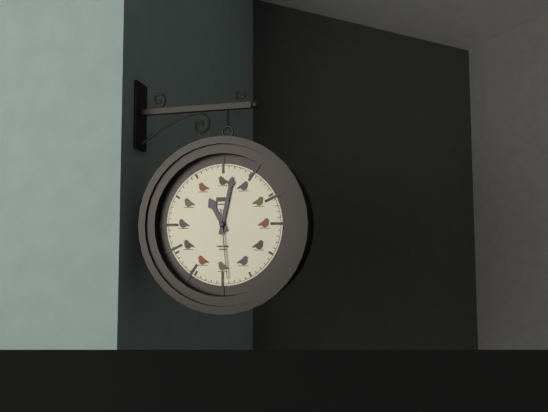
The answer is 11:02:29
